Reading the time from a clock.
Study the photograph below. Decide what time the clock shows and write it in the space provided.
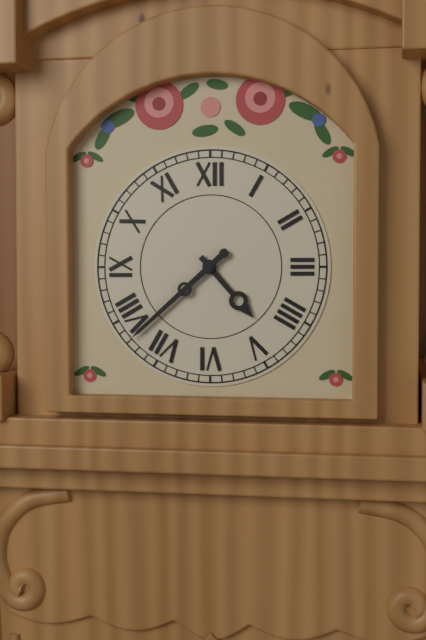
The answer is 4:38
